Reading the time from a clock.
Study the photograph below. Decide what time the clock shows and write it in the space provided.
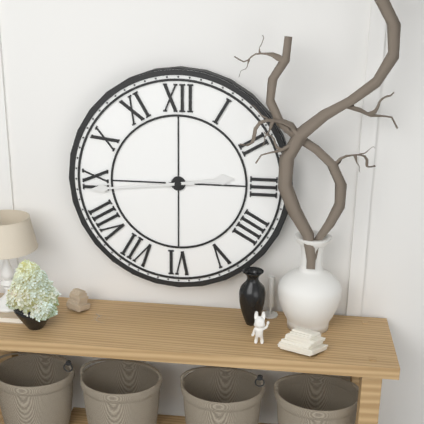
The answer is 2:44
